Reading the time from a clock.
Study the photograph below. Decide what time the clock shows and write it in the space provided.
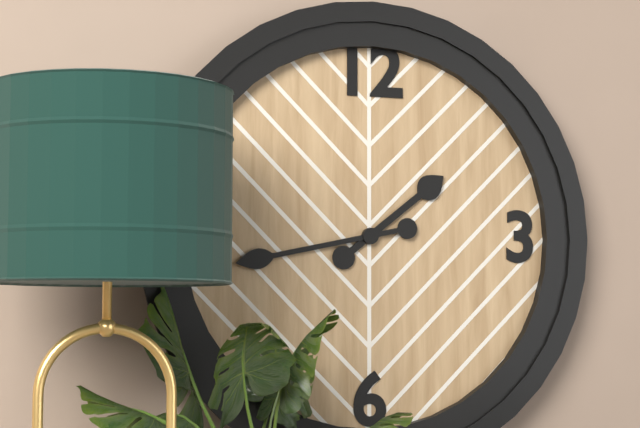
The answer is 1:43
